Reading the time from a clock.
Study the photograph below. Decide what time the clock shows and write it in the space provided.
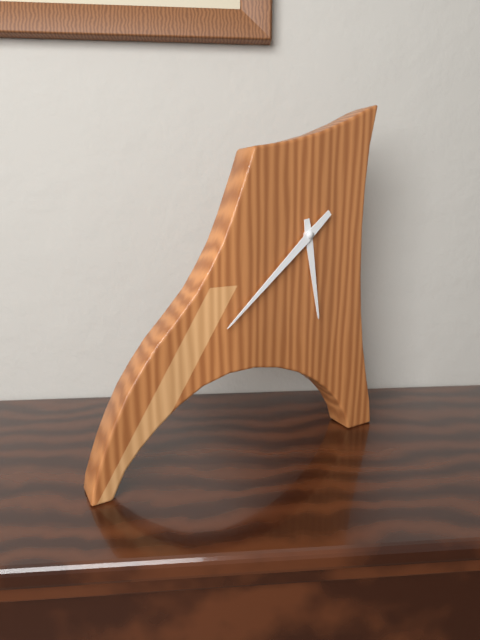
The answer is 5:38
